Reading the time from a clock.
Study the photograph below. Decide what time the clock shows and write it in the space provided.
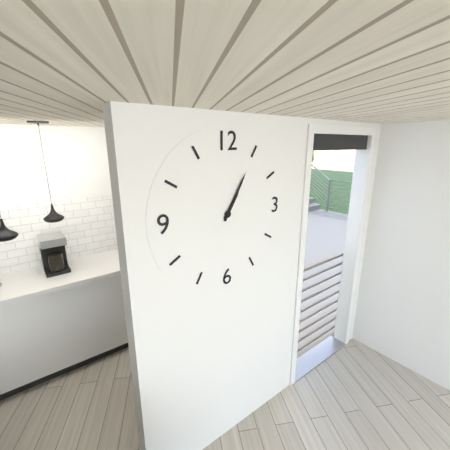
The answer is 1:05
